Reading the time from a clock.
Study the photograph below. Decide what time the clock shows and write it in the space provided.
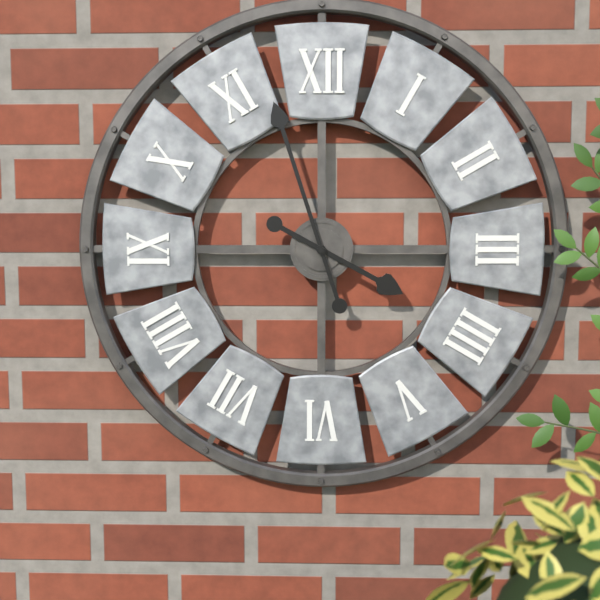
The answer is 3:57
